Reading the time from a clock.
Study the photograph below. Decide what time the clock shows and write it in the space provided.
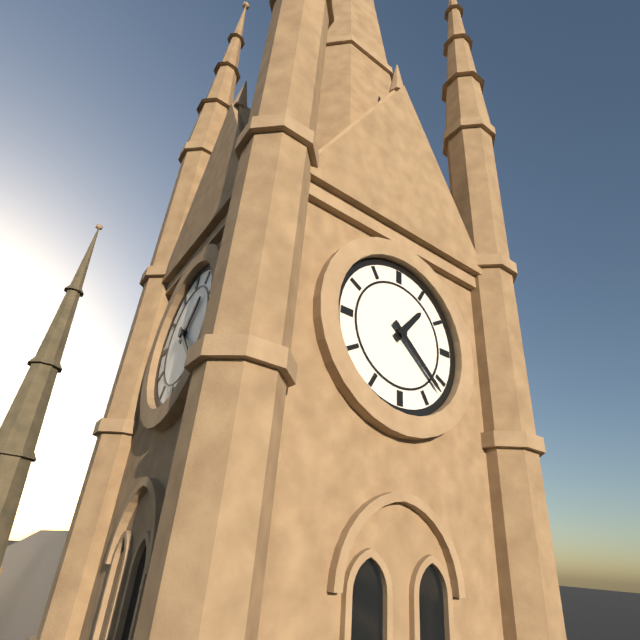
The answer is 1:22
